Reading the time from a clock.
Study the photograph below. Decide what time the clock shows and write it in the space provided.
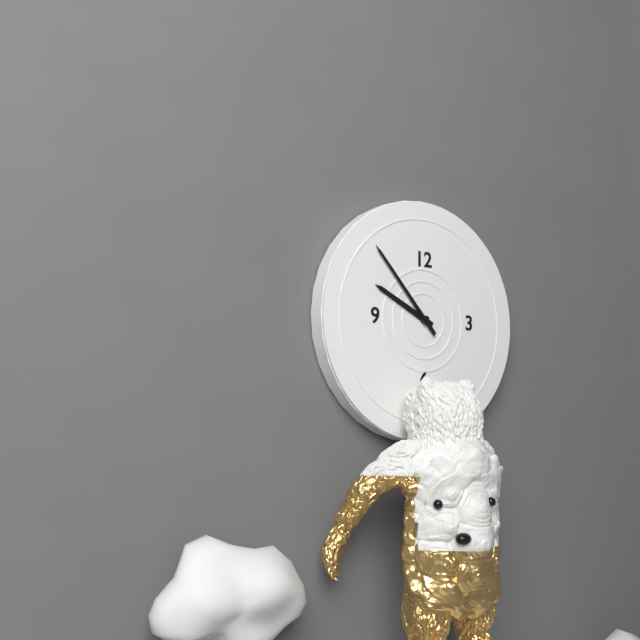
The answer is 9:53
